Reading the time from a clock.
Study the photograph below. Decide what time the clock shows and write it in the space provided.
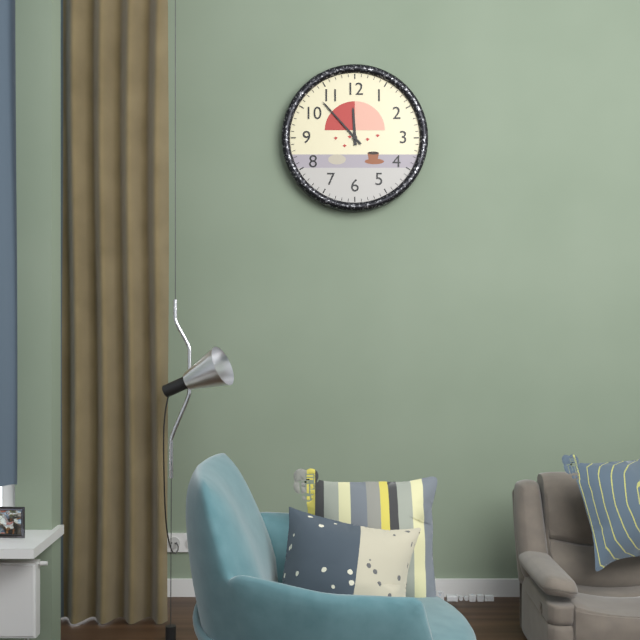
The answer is 11:53
